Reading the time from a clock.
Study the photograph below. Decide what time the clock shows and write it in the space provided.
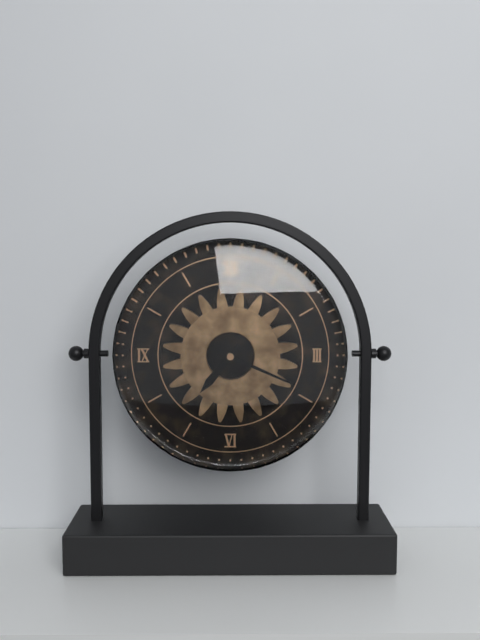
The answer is 7:19
